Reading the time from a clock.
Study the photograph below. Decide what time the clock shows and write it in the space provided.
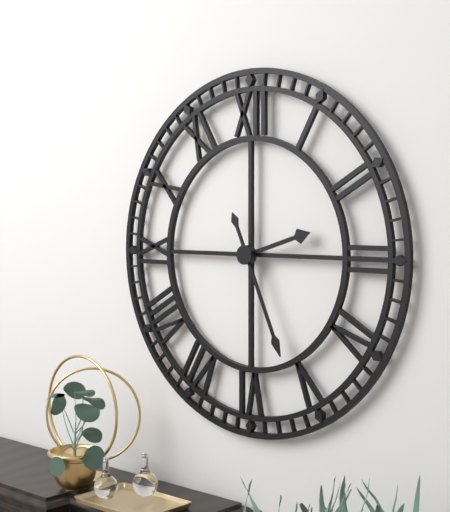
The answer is 2:26
